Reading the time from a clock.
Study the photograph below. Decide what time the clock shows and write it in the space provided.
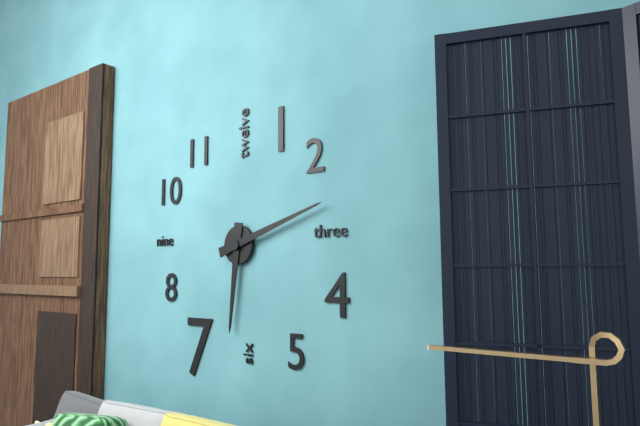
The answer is 6:12
